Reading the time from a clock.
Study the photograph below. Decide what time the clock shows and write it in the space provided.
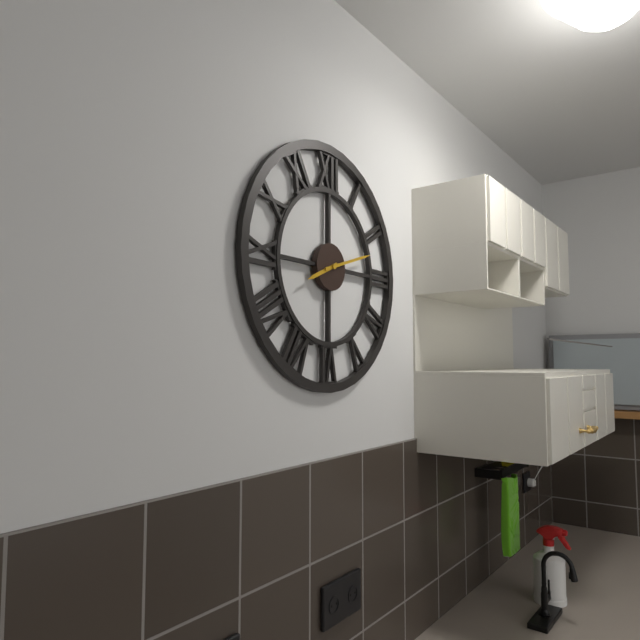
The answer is 8:12
